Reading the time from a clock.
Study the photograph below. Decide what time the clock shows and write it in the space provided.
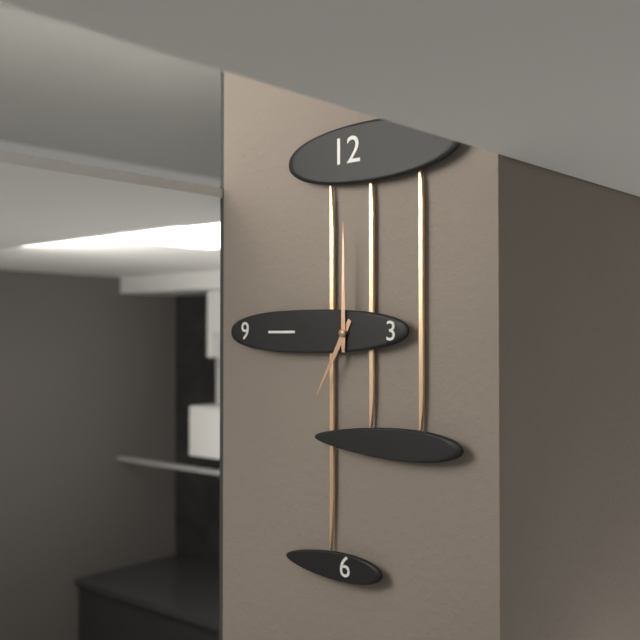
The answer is 7:00
